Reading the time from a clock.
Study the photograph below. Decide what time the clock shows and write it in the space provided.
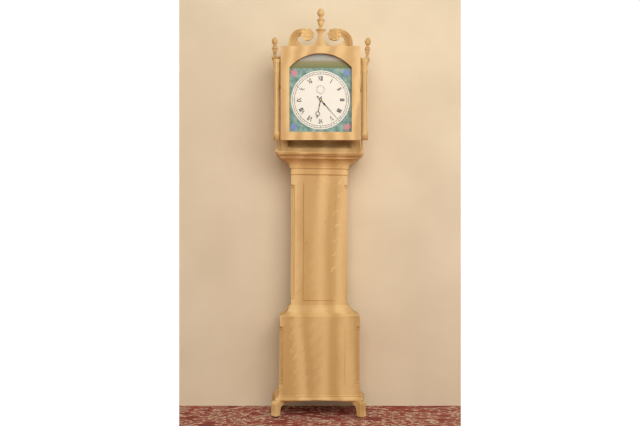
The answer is 6:23
